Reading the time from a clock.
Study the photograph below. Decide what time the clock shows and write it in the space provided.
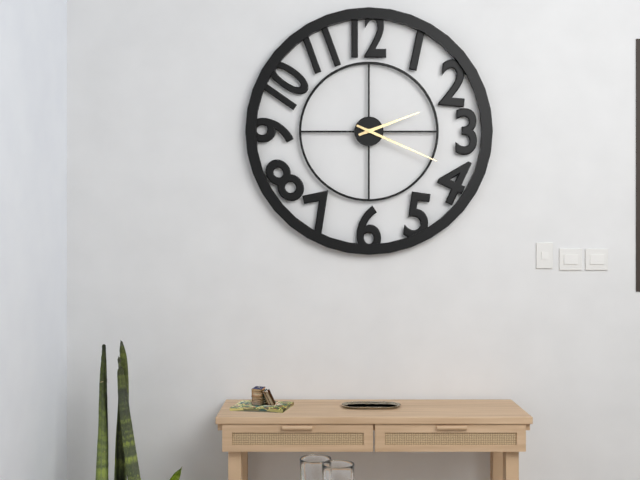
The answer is 2:19
